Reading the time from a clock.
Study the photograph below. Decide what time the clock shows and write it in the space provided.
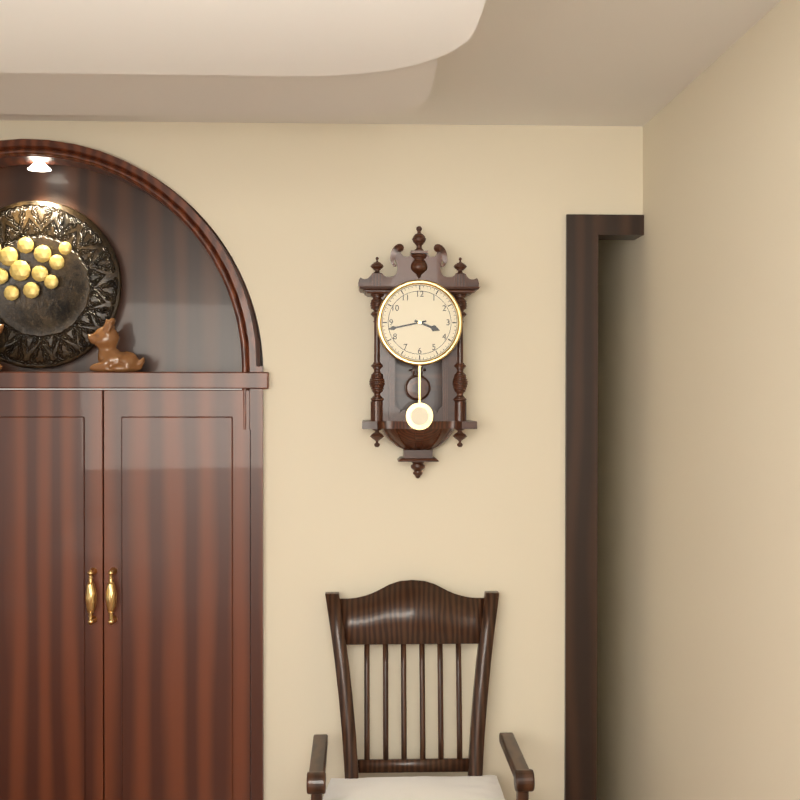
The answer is 3:43
